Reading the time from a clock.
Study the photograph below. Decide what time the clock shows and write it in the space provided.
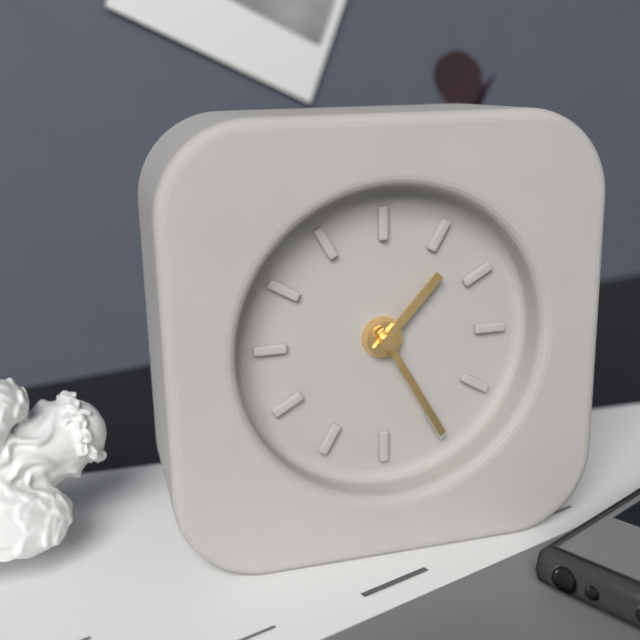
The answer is 1:25
